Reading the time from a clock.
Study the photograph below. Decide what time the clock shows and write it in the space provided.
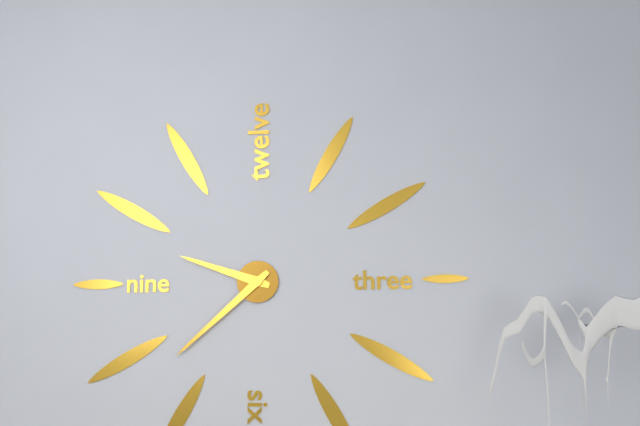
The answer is 9:38
